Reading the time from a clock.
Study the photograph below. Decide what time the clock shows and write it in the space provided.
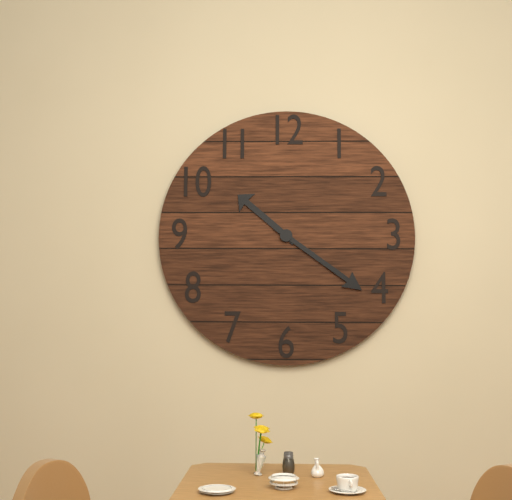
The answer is 10:21
